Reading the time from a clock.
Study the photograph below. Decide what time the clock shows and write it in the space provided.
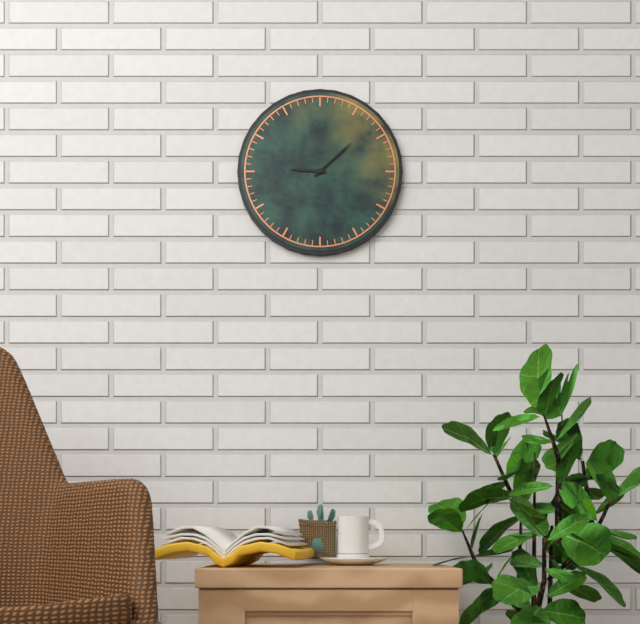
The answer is 9:08
